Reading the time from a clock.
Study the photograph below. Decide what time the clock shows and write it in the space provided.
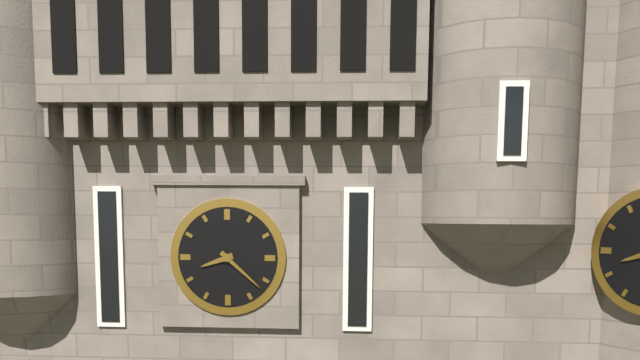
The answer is 8:22
